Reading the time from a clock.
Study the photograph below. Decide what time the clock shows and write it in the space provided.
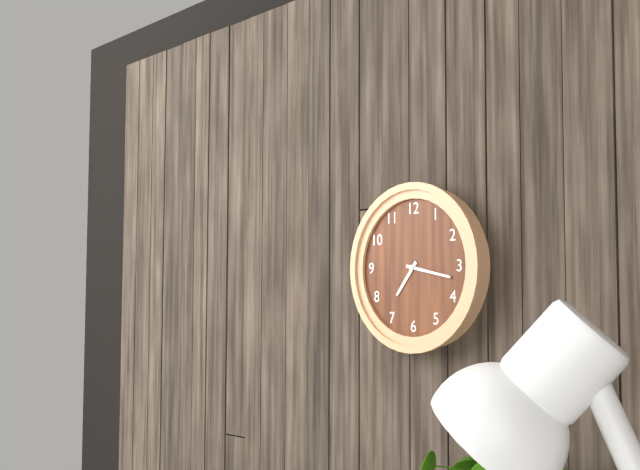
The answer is 7:17
